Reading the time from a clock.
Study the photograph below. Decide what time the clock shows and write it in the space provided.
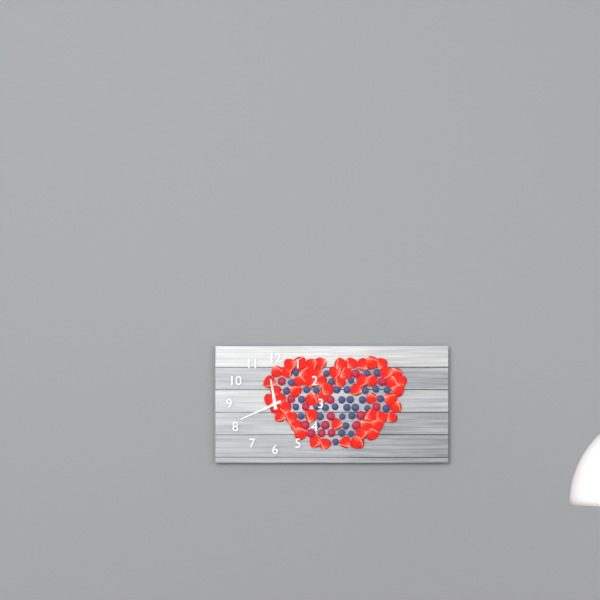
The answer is 11:41
